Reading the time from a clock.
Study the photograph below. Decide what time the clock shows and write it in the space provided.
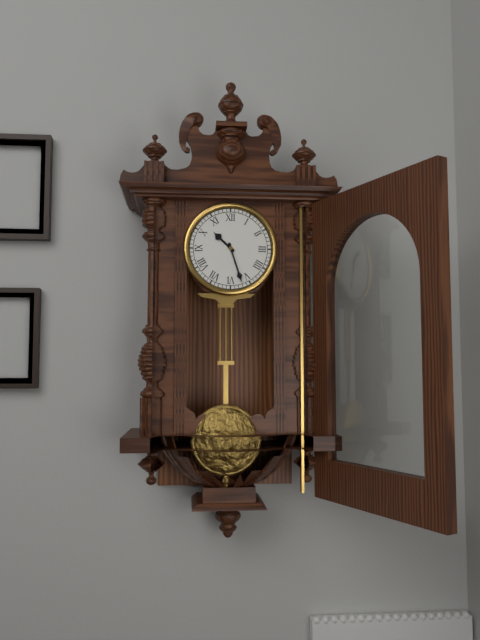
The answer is 10:27
